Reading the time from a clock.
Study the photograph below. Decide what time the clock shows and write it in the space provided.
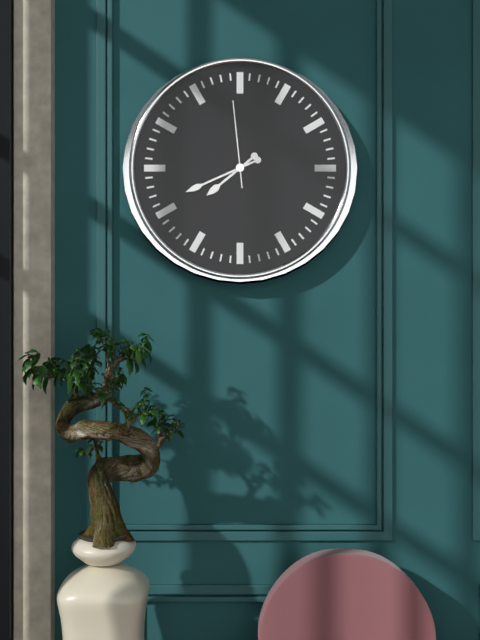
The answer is 7:41:59
